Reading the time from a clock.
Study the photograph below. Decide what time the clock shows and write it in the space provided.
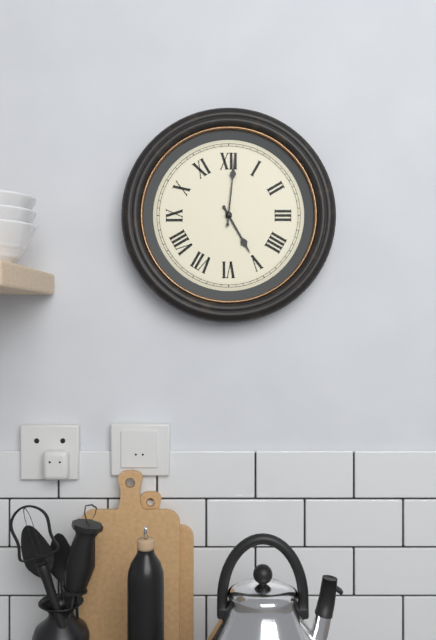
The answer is 5:01
